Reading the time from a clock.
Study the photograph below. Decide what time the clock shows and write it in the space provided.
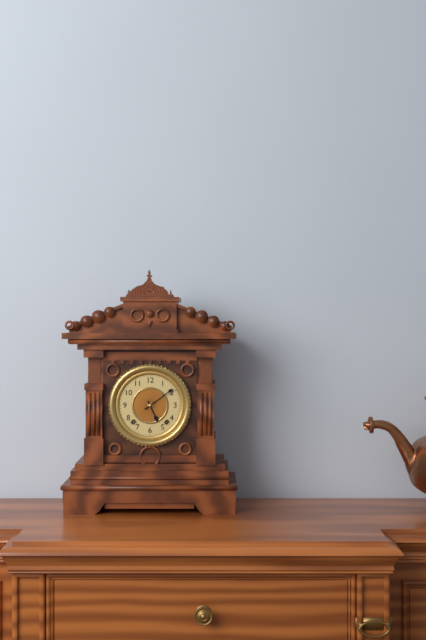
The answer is 5:09
